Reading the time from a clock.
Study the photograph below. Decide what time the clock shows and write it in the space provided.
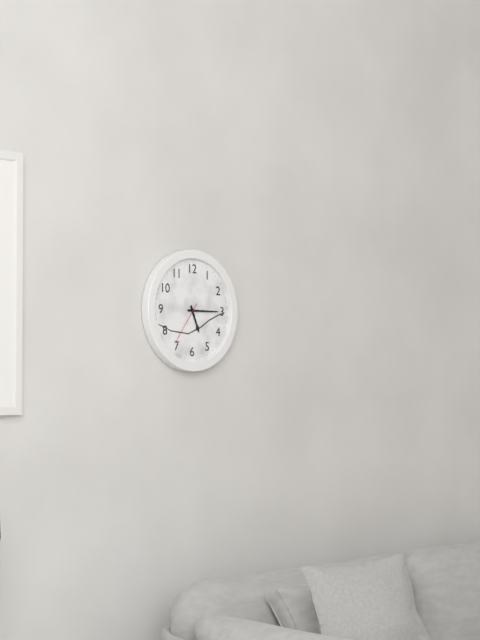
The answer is 5:15
